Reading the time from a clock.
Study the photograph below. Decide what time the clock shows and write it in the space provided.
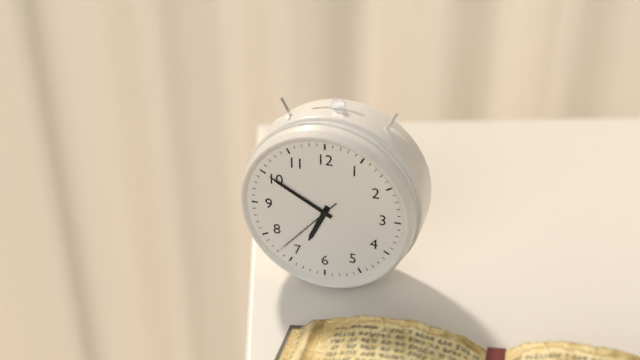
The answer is 6:50:37
